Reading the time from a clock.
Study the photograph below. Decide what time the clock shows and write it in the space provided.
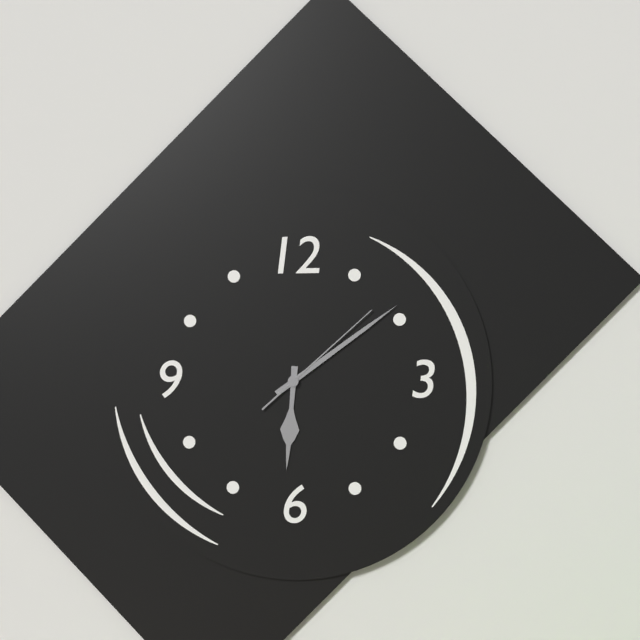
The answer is 6:09:08
